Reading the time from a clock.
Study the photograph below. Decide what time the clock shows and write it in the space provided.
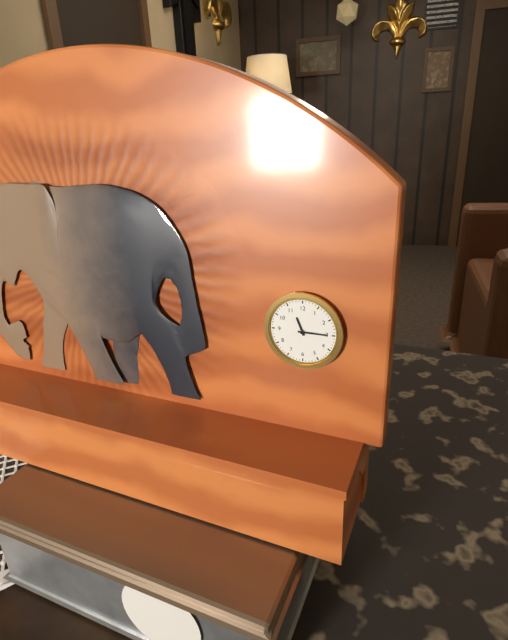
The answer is 11:15
